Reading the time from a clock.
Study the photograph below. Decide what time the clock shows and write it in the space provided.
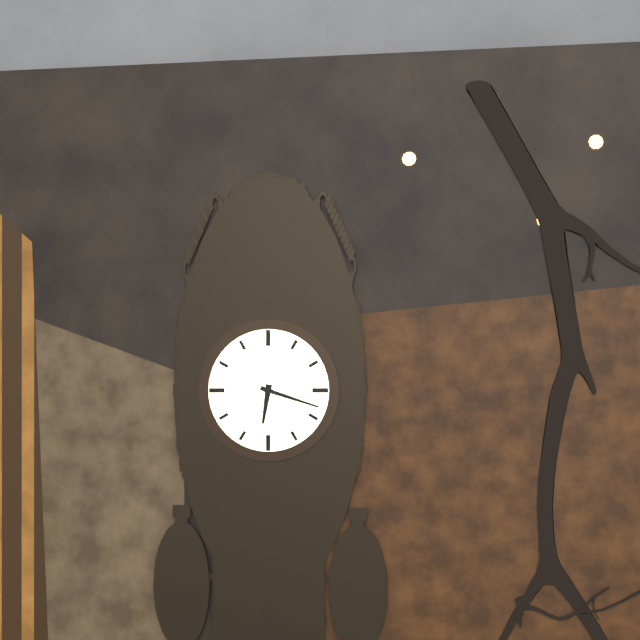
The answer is 6:18
